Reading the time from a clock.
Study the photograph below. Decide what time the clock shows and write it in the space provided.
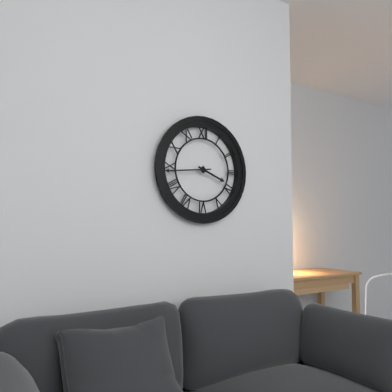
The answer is 3:44
